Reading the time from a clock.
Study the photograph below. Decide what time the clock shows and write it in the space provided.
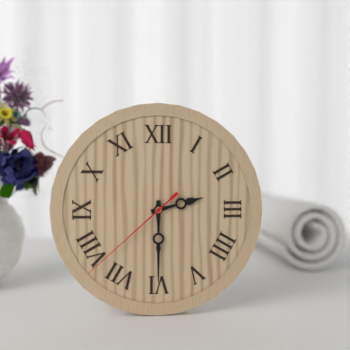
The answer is 2:30:38
